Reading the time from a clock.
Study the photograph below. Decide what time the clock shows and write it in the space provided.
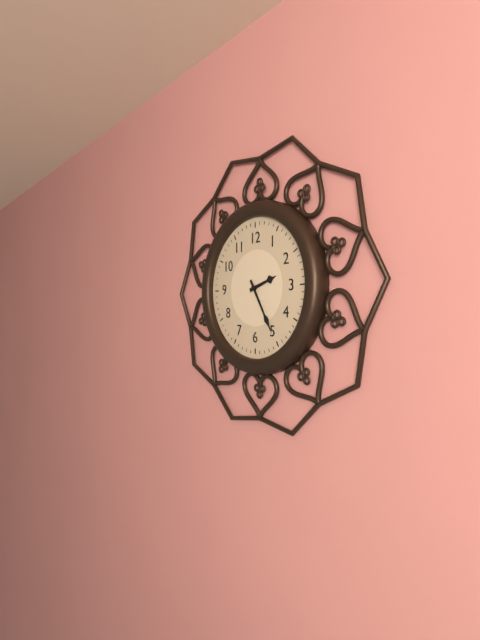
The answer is 2:25
